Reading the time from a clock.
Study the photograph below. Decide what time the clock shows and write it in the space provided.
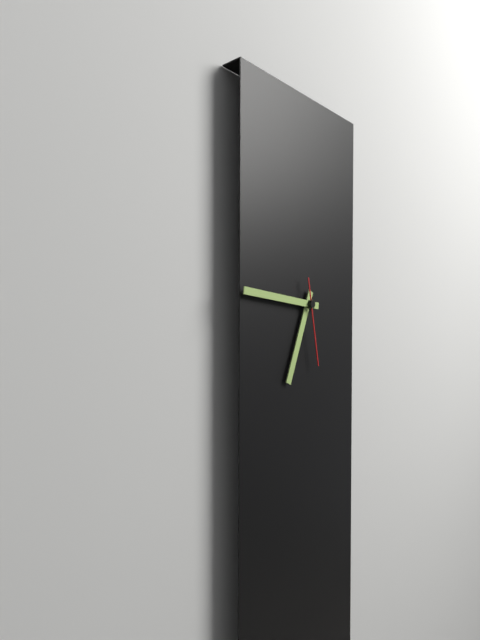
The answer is 6:46:28
